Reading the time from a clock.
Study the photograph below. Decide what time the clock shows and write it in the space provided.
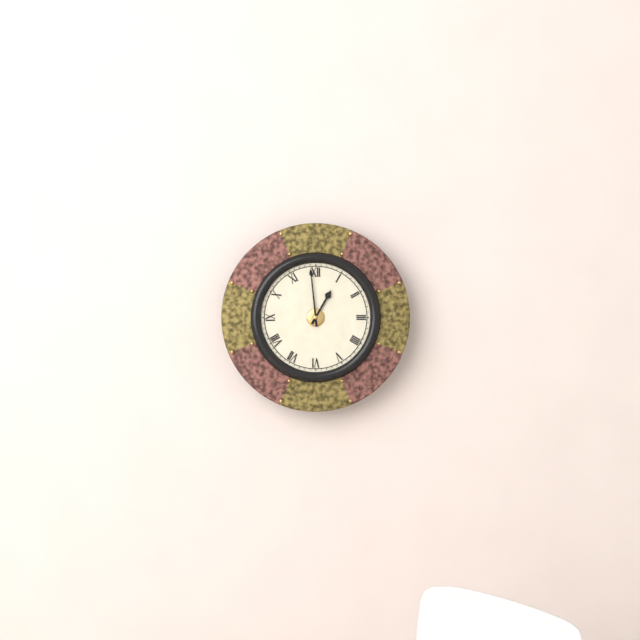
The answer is 12:59
